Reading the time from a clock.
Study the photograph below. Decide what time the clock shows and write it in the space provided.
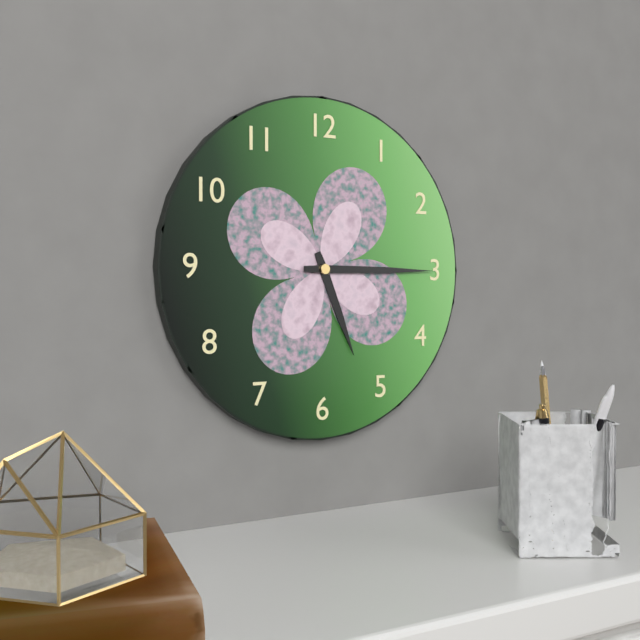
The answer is 5:15
